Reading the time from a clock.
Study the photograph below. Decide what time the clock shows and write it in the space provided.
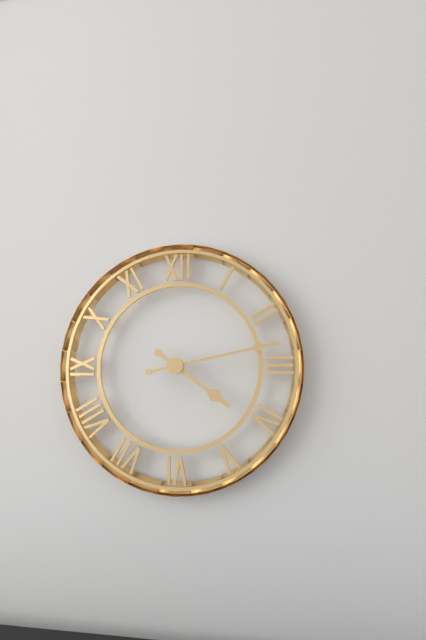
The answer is 4:13
